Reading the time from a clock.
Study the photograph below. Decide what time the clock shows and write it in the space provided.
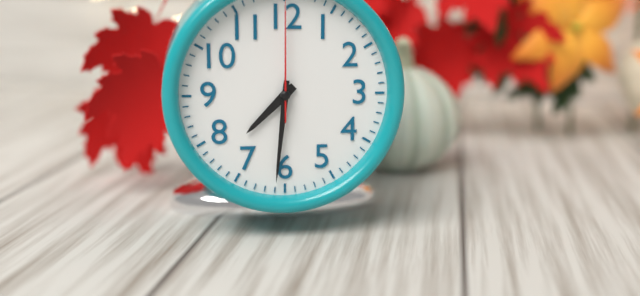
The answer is 7:31
